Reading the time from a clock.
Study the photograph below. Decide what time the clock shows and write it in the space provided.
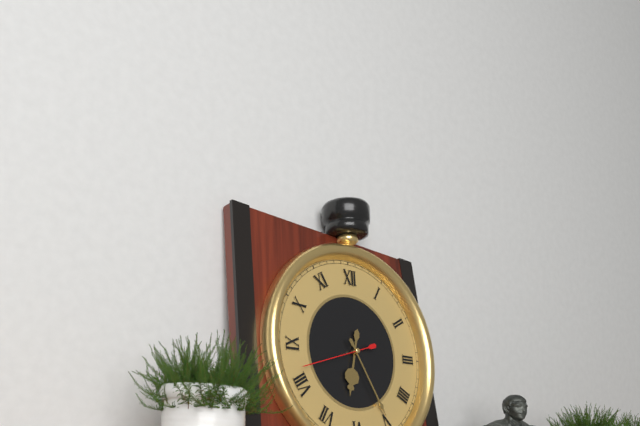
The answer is 6:25:42
